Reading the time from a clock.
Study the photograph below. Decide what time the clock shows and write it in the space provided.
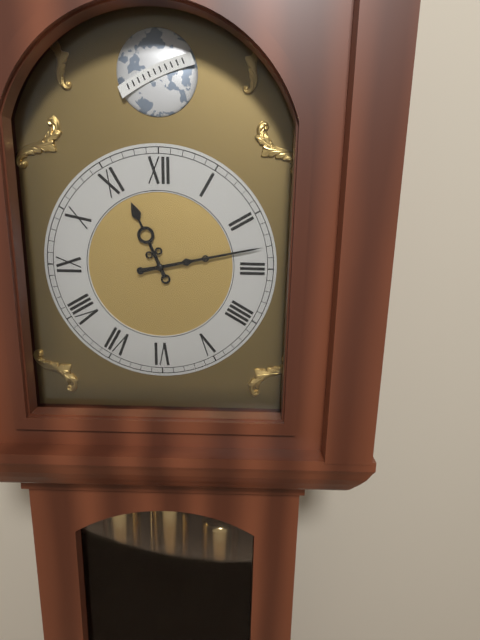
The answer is 11:13
